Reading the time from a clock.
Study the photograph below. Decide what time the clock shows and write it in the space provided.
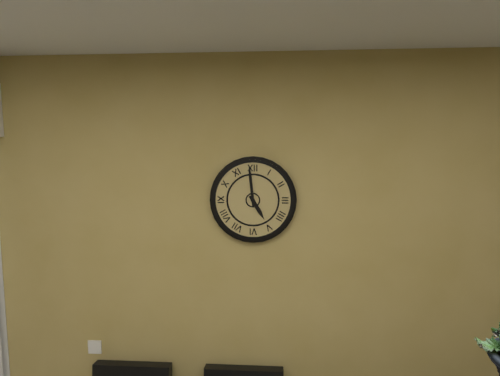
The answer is 4:59
